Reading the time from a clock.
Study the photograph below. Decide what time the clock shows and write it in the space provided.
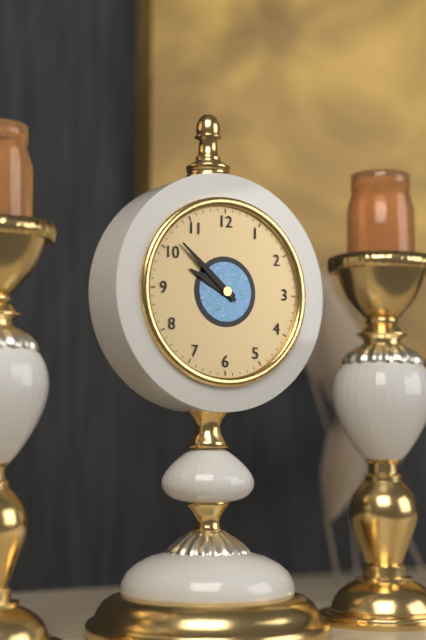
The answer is 9:52
